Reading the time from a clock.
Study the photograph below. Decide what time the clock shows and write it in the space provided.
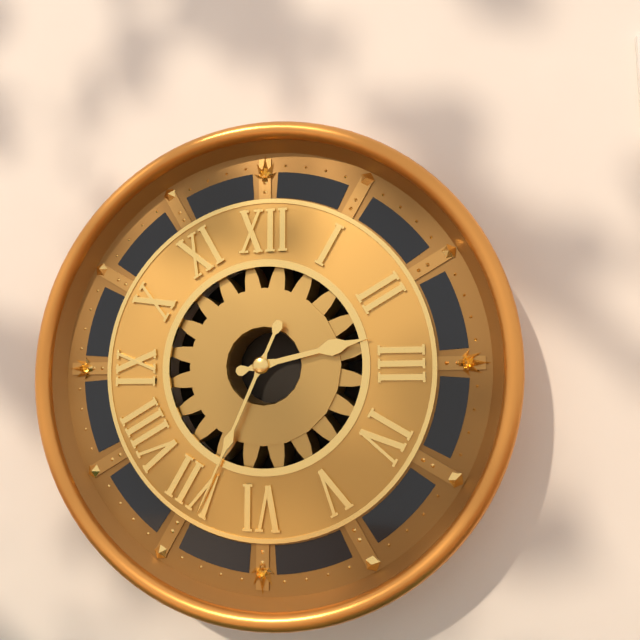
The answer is 2:34
